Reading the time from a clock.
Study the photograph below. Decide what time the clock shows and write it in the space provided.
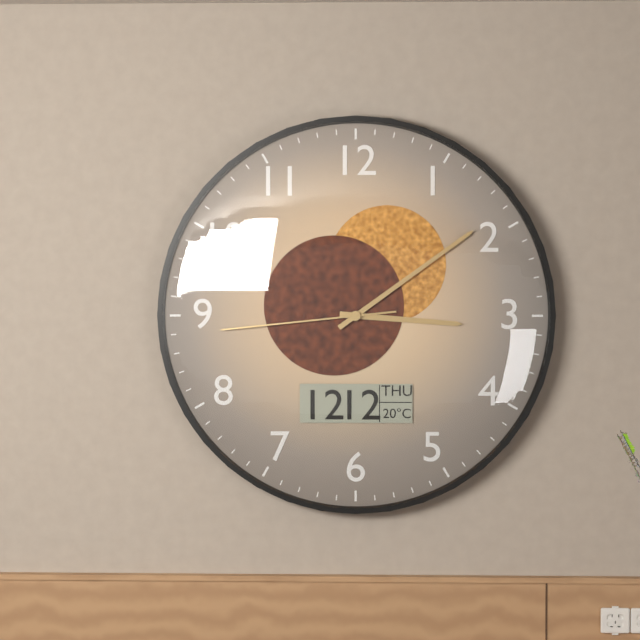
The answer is 3:09:44
